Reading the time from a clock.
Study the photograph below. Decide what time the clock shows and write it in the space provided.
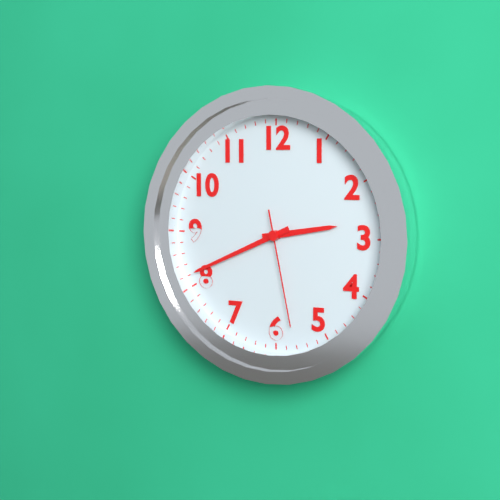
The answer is 2:41:28
